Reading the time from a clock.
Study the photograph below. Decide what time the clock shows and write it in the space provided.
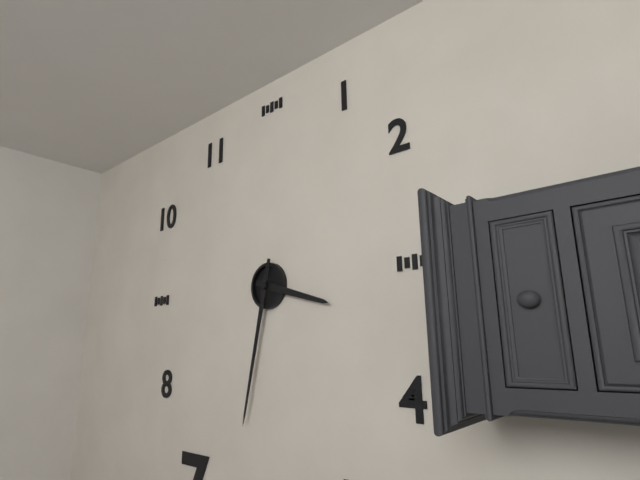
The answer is 3:32
